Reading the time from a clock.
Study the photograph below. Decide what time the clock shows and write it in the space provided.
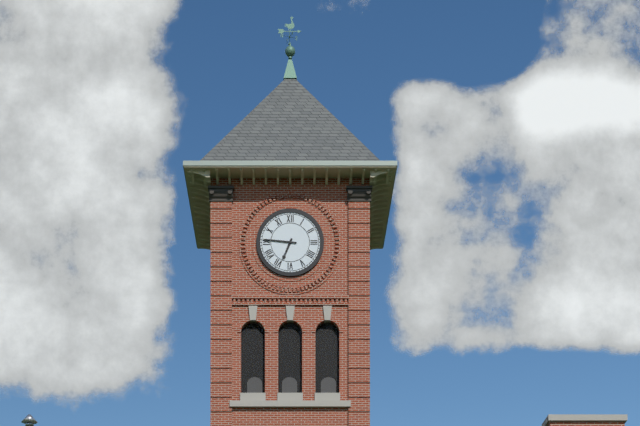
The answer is 6:46
